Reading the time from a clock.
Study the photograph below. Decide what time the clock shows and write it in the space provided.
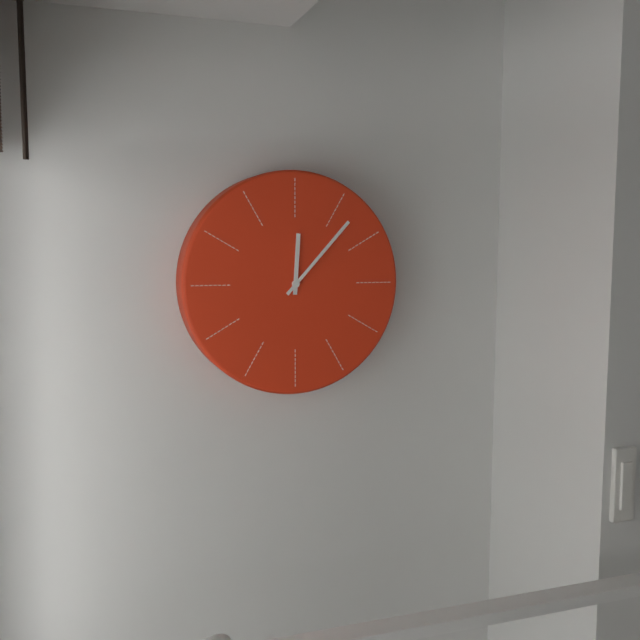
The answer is 12:07
